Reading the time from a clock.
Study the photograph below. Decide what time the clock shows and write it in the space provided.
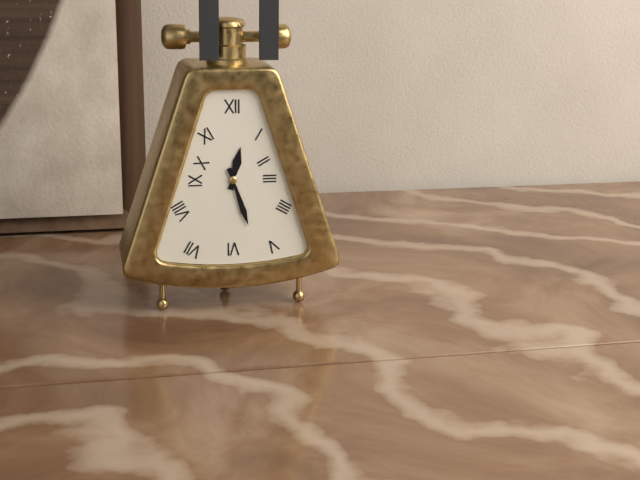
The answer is 12:27
